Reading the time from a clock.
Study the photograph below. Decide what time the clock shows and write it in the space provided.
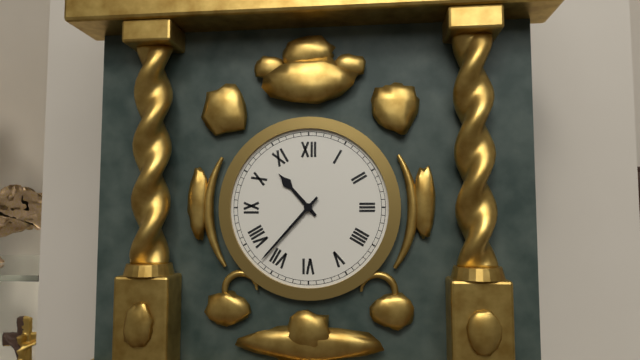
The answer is 10:37
